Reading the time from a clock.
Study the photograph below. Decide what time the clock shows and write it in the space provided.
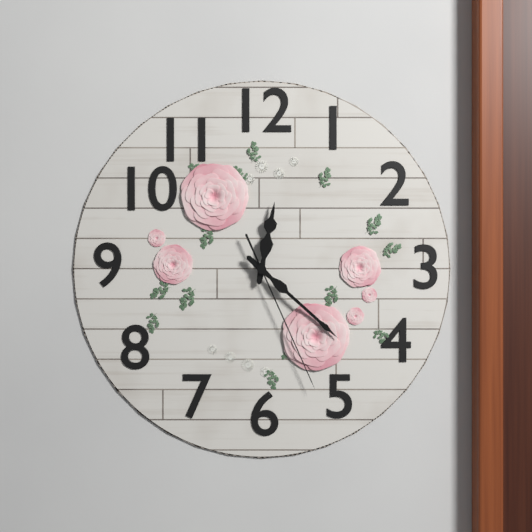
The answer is 12:22:26
